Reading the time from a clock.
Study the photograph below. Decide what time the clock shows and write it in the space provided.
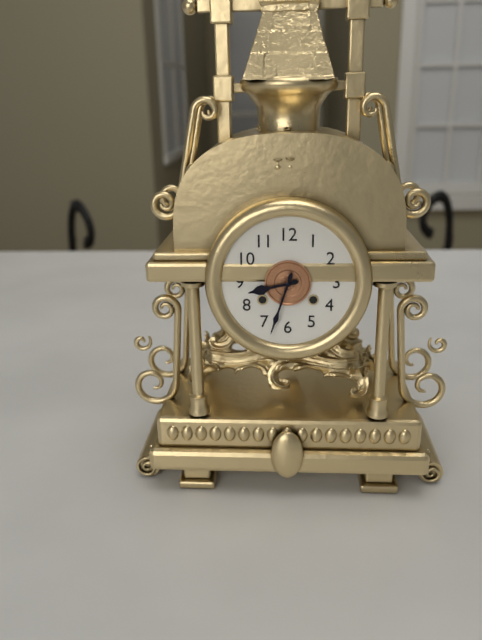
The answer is 8:33
